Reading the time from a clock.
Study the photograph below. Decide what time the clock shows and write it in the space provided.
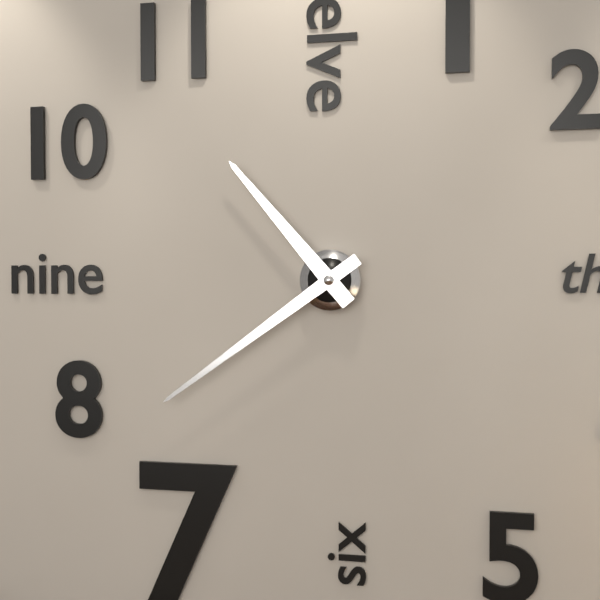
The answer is 10:39
